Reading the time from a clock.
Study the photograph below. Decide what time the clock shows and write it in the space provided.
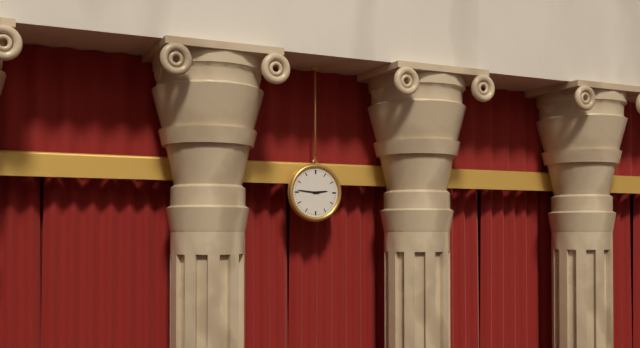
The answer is 2:46
